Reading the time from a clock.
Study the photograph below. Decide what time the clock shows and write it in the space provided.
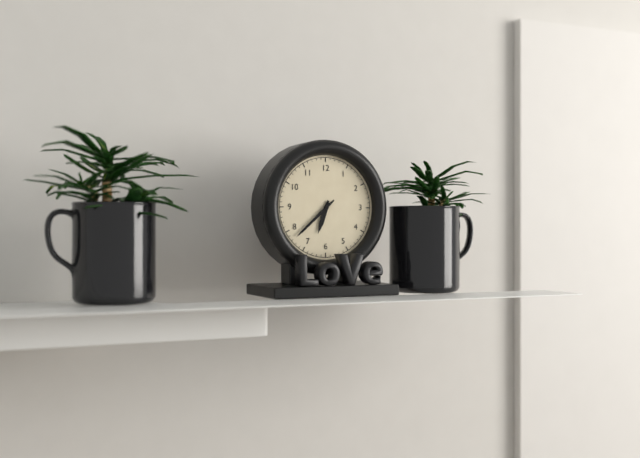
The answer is 6:38
